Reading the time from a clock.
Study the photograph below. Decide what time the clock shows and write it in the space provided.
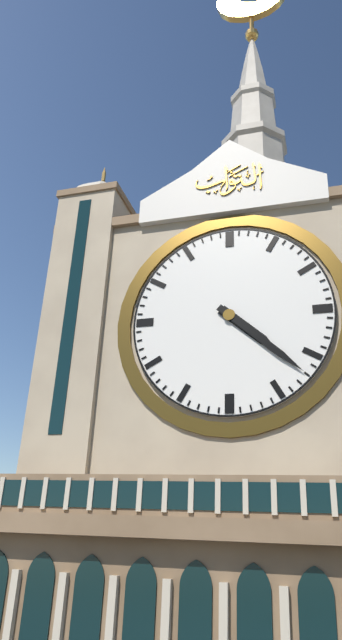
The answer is 4:22
